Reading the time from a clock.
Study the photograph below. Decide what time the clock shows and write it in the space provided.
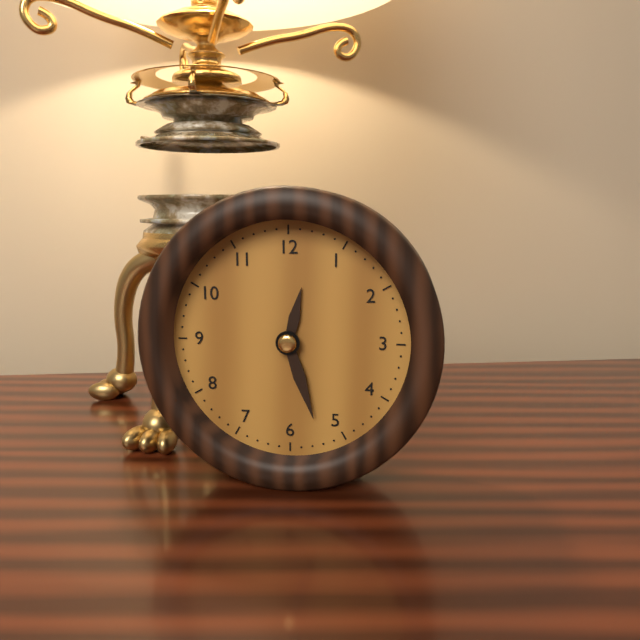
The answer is 12:27
